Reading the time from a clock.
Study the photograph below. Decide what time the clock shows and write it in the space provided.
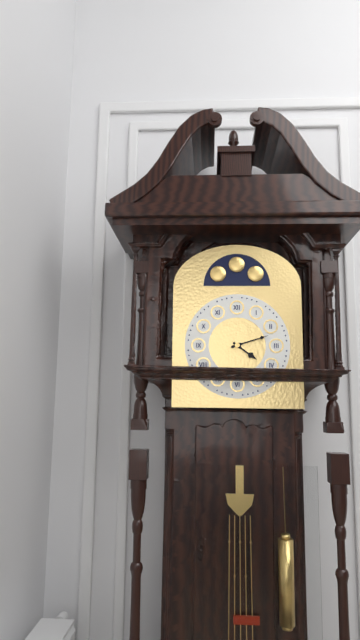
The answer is 4:12
